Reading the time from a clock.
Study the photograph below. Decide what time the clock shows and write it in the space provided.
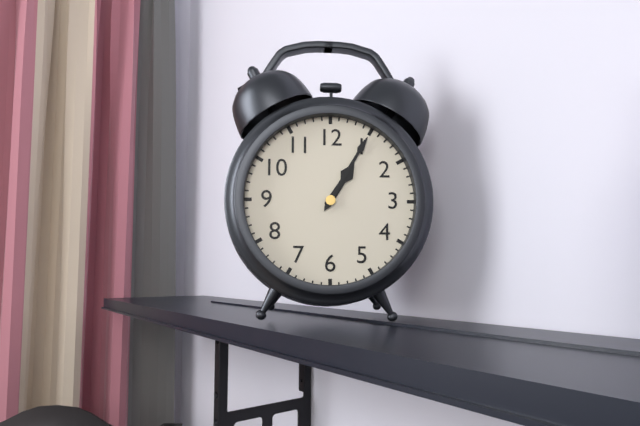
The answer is 1:05
